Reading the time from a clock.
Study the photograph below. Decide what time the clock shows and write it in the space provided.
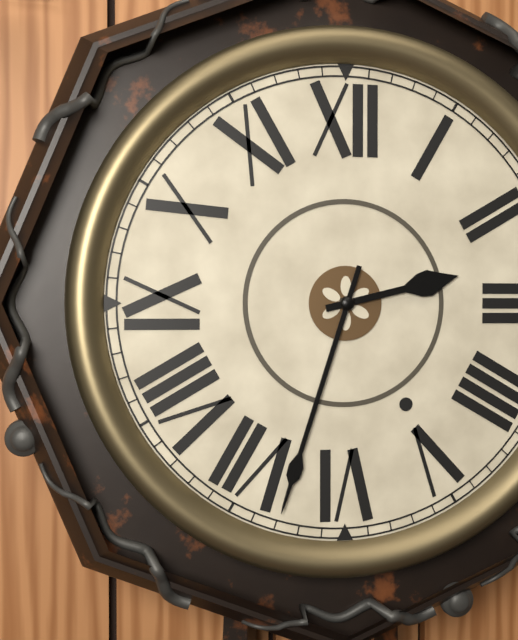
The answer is 2:33
